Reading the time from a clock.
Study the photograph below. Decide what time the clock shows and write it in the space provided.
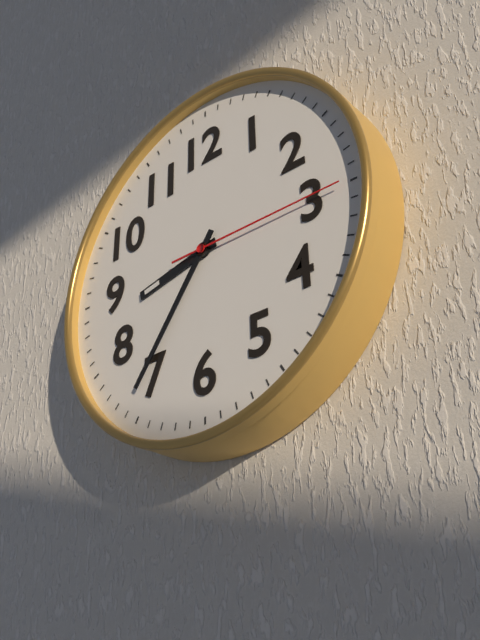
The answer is 8:36:15
